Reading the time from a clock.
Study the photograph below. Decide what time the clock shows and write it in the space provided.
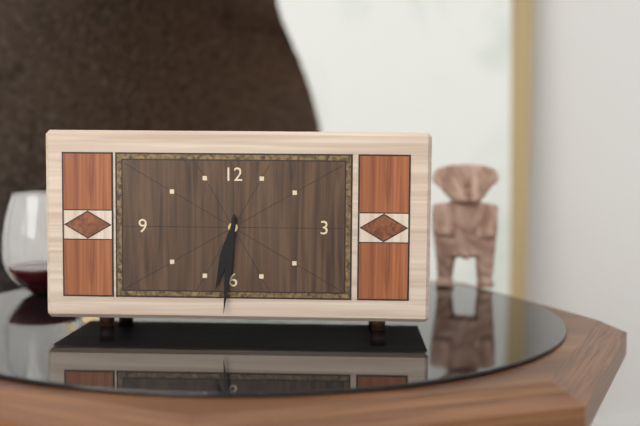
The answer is 6:31
